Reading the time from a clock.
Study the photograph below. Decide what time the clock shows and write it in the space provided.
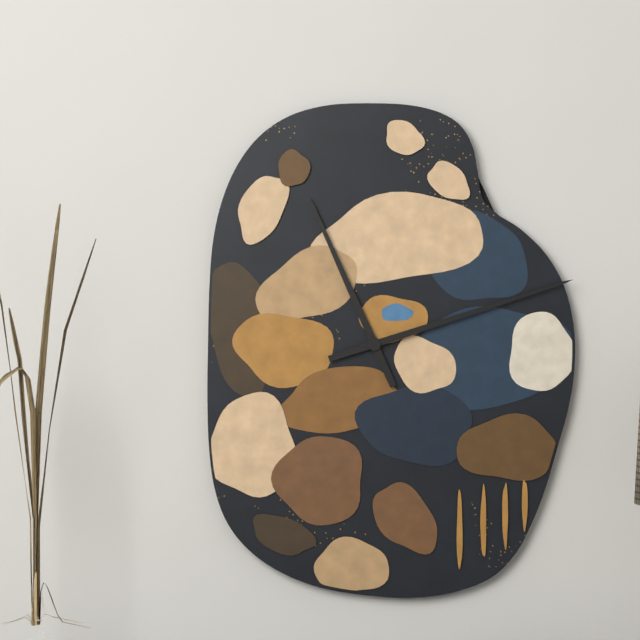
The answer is 11:12
